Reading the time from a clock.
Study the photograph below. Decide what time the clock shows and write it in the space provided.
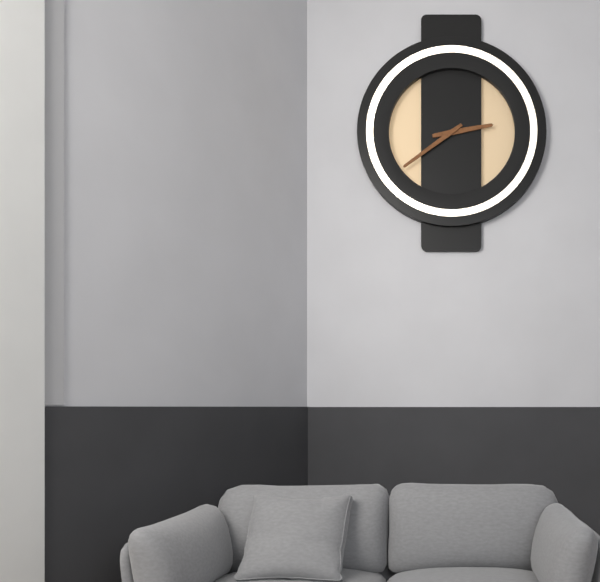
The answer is 2:39
